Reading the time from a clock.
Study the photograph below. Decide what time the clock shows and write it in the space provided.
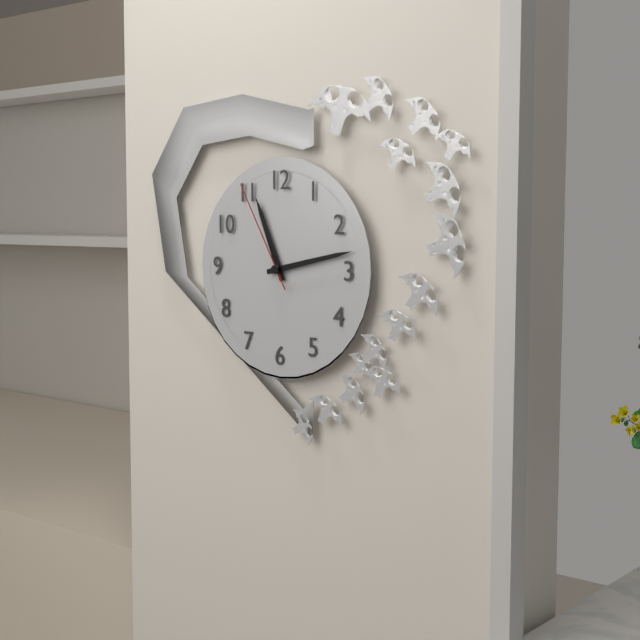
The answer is 11:13:55
